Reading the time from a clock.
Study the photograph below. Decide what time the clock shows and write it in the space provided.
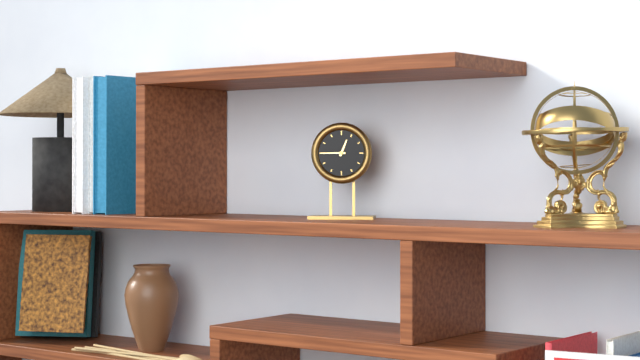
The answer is 12:45
